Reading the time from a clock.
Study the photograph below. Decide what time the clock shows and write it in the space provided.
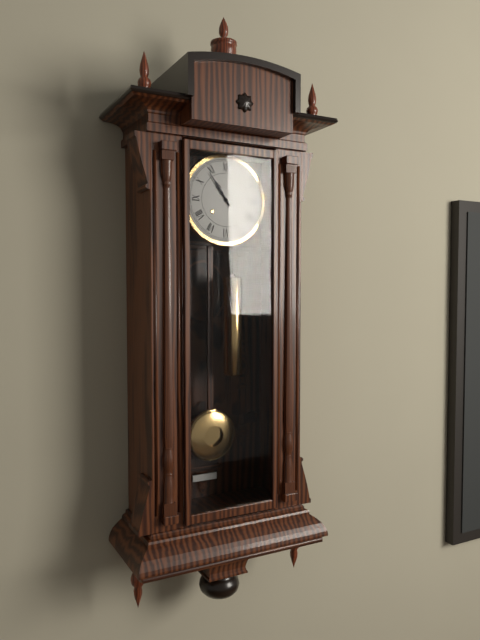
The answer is 10:54
